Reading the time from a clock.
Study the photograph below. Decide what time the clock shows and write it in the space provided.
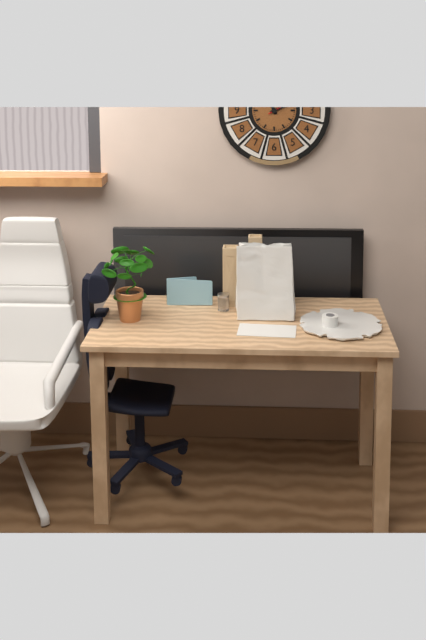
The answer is 11:11
